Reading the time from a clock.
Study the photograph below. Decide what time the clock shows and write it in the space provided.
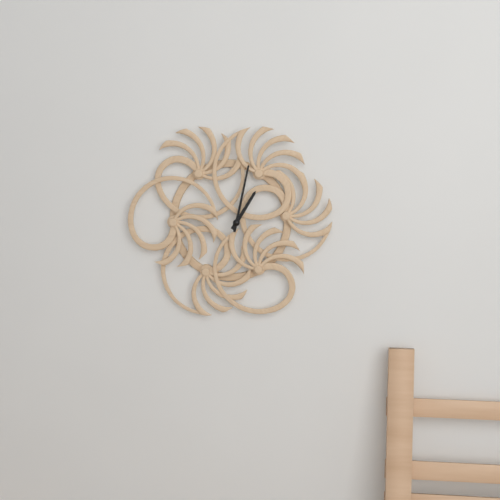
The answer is 1:02
